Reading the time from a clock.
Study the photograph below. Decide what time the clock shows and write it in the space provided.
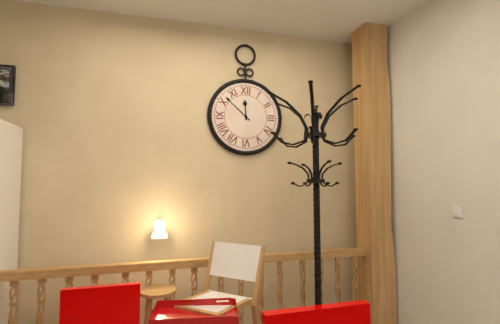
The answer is 11:52
